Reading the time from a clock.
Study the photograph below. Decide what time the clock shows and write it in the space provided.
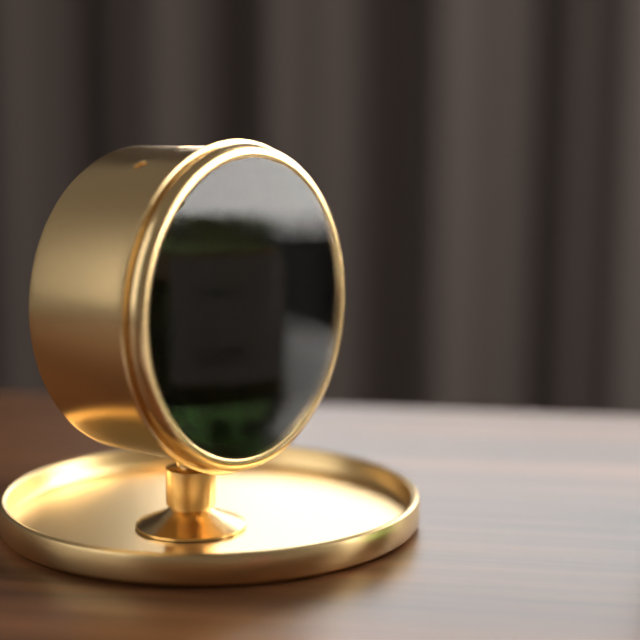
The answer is 1:38:00
